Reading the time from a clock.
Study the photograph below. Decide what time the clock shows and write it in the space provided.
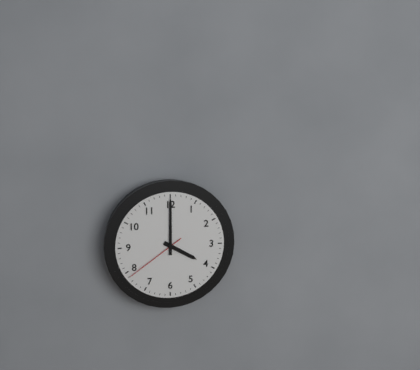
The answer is 4:00:39
